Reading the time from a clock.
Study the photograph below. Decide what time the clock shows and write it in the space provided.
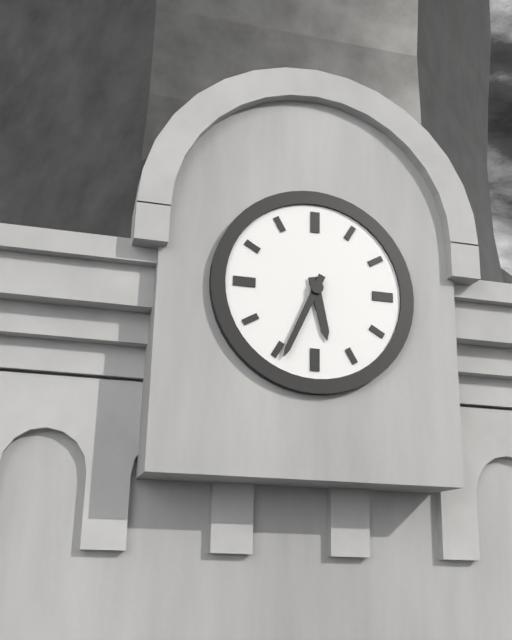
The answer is 5:34
